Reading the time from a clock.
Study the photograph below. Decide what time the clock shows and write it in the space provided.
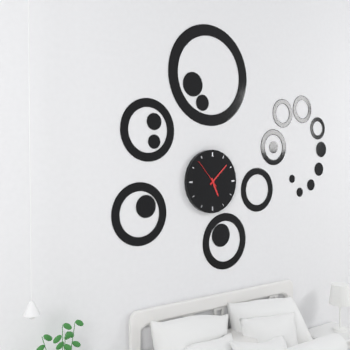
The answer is 5:08
